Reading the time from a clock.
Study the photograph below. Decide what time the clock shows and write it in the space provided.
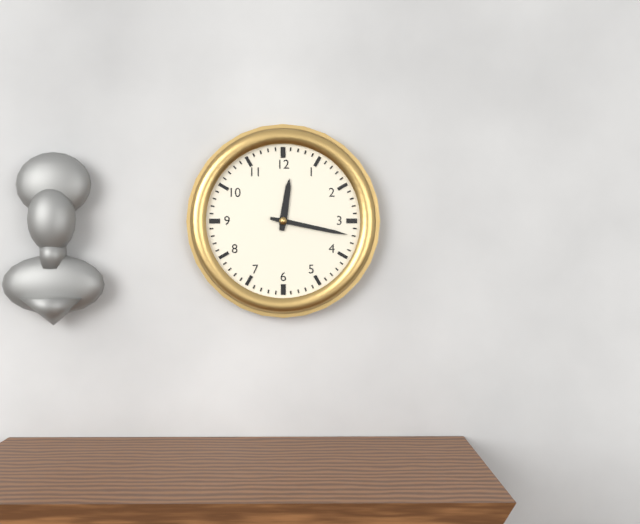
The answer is 12:17
